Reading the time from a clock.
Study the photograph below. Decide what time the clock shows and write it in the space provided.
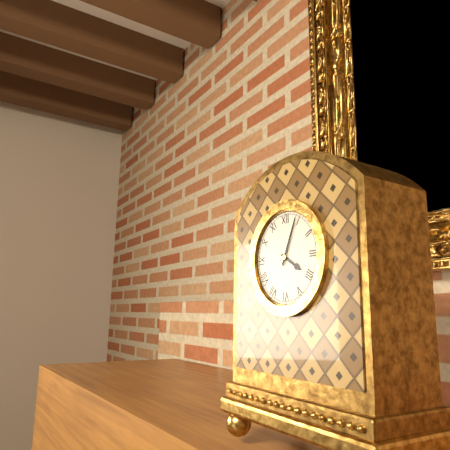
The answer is 4:04
